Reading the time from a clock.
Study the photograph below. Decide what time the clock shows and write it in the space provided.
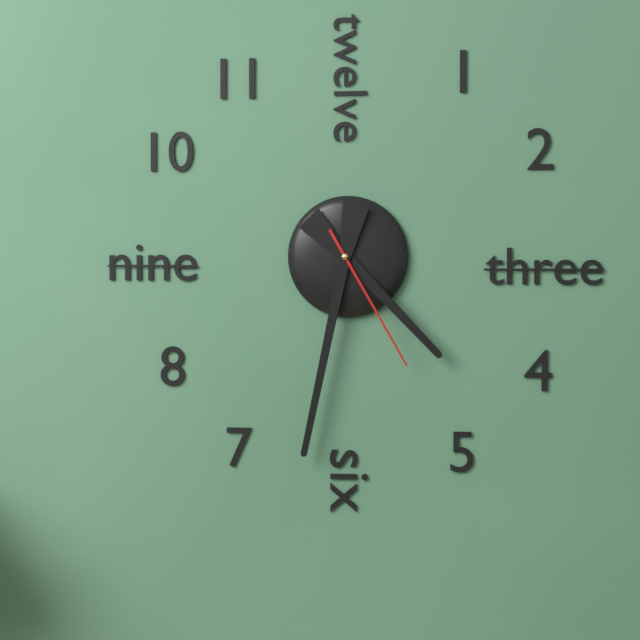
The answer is 4:32:25
